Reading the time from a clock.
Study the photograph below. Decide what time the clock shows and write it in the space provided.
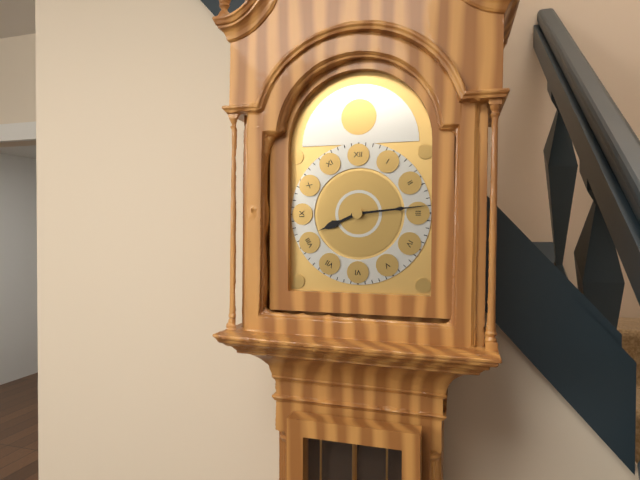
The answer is 8:14
